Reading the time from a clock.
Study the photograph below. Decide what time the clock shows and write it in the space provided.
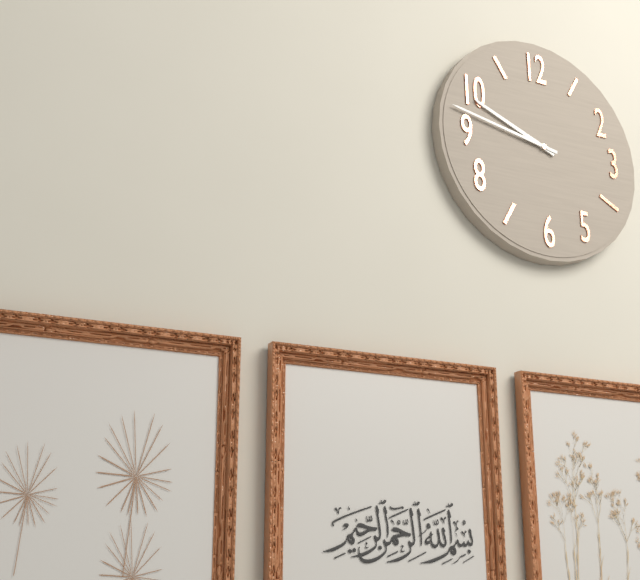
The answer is 9:47
